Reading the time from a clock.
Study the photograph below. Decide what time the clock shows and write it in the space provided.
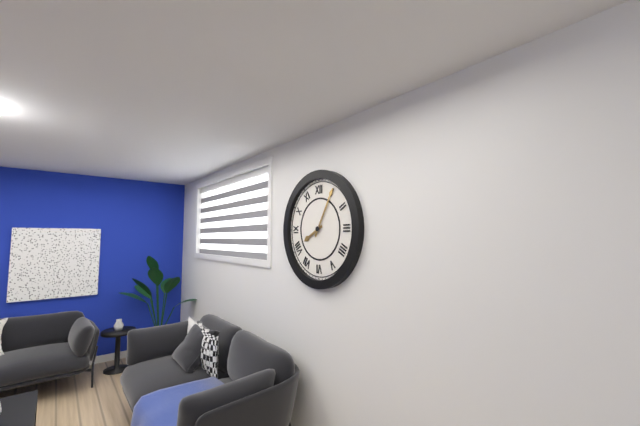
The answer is 8:05
